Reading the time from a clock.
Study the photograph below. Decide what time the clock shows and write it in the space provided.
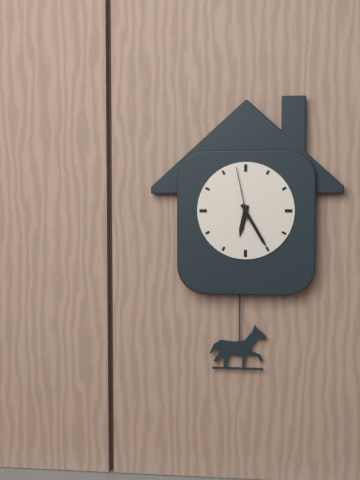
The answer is 6:25:58
